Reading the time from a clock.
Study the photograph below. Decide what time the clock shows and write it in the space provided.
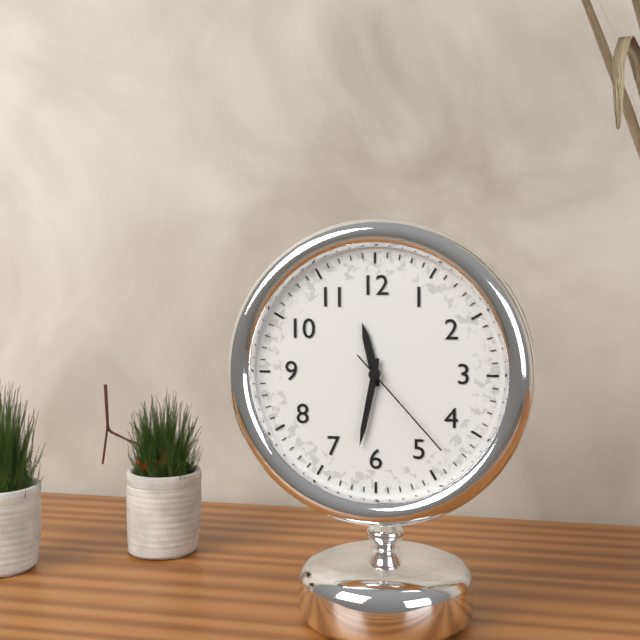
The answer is 11:32:23
